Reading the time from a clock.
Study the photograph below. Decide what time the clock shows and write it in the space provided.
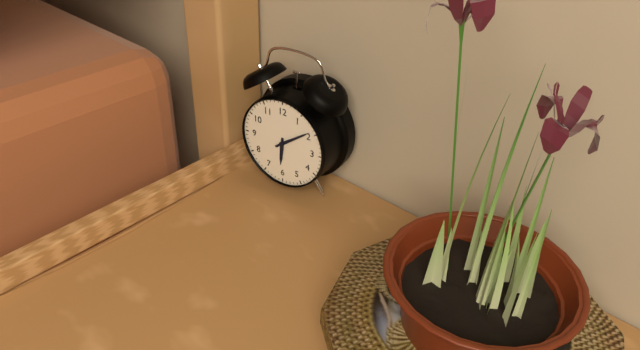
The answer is 6:09
